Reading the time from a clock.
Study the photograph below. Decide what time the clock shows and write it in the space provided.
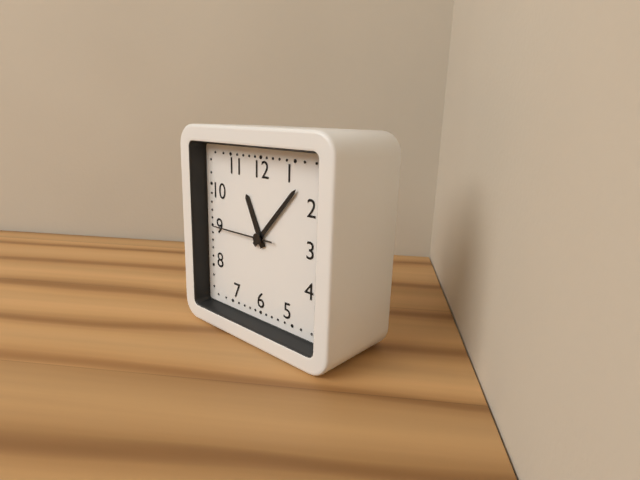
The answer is 11:07:45
